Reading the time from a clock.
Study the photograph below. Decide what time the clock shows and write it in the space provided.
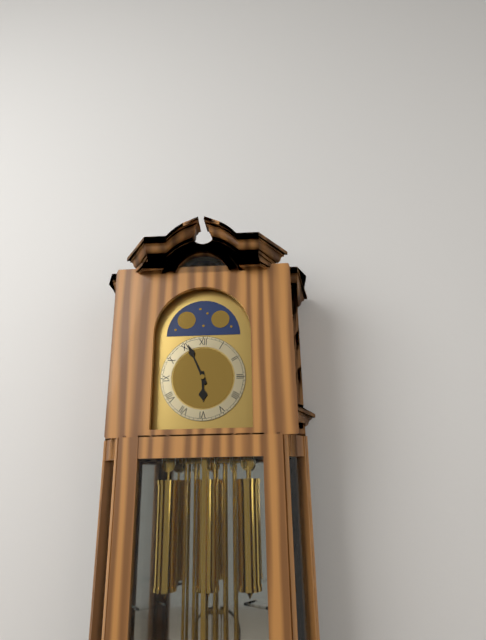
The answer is 5:56
